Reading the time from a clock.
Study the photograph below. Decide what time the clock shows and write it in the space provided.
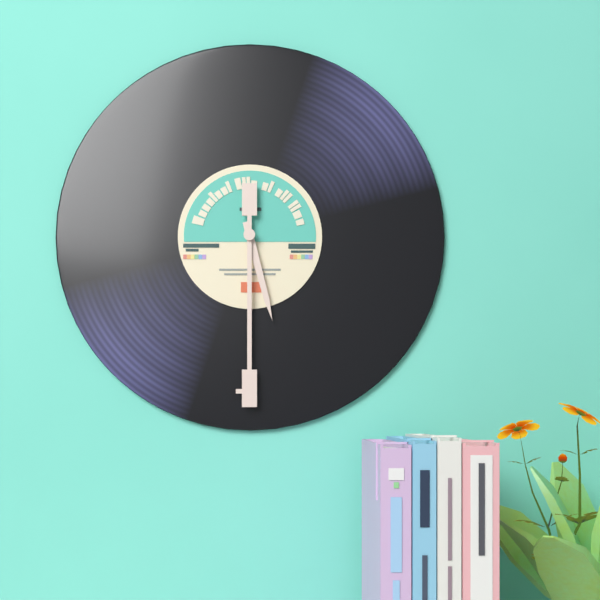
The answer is 5:30
